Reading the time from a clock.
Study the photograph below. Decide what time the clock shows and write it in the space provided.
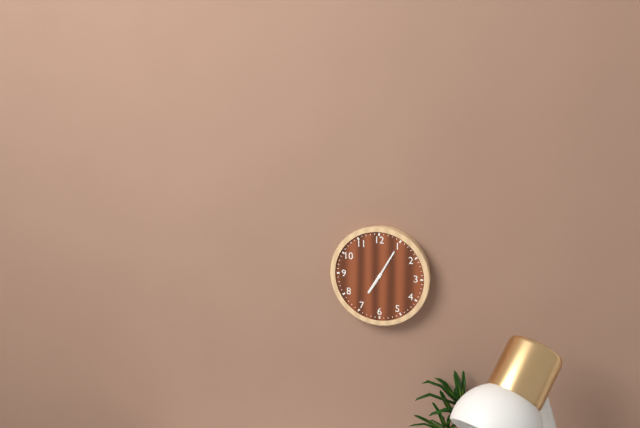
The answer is 7:05
